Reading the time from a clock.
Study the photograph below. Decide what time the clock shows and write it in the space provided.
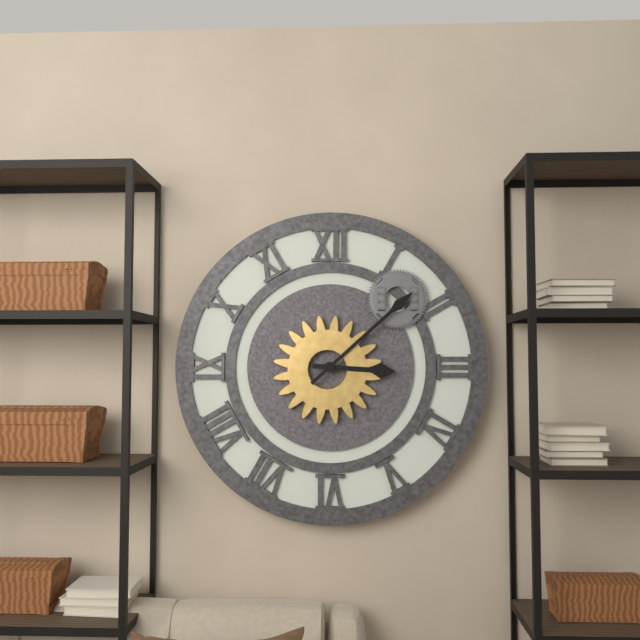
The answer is 3:08
